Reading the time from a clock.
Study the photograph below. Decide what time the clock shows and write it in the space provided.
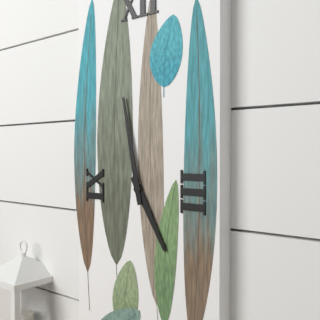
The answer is 4:58
